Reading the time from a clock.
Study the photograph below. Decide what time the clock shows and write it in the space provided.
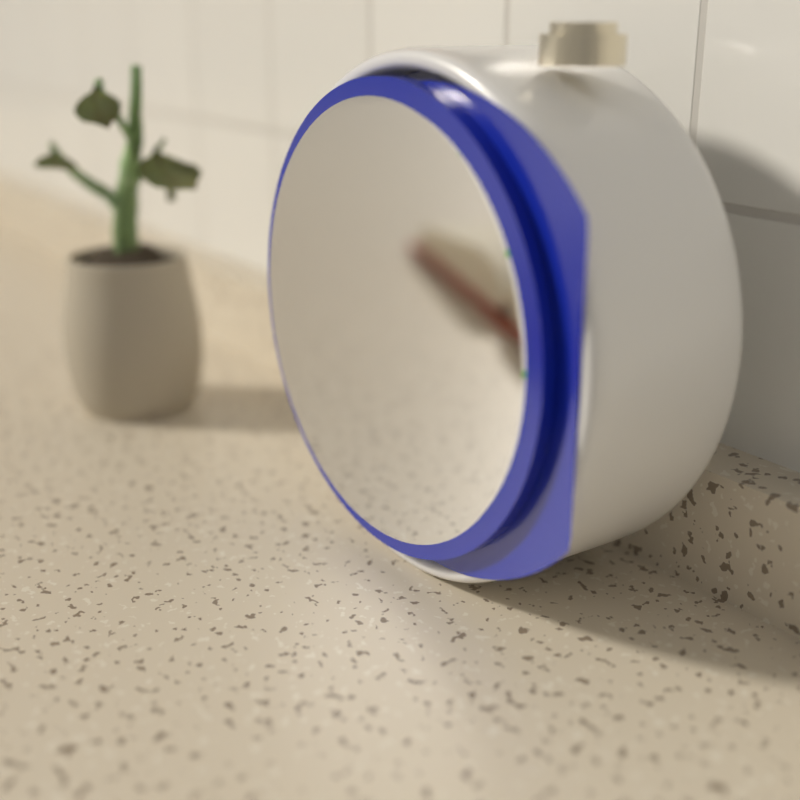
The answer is 7:06:50
